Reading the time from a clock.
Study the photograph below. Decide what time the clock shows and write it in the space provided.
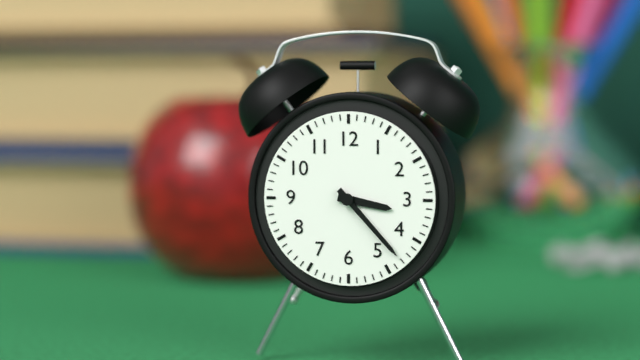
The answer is 3:23
